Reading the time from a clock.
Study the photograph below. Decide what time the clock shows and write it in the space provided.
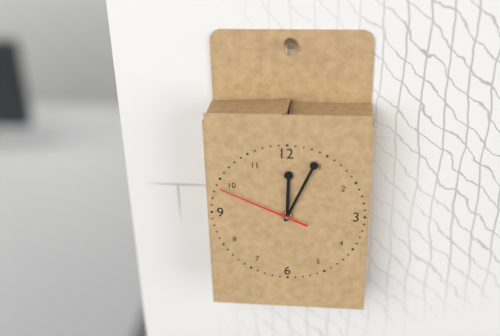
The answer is 12:04:49
